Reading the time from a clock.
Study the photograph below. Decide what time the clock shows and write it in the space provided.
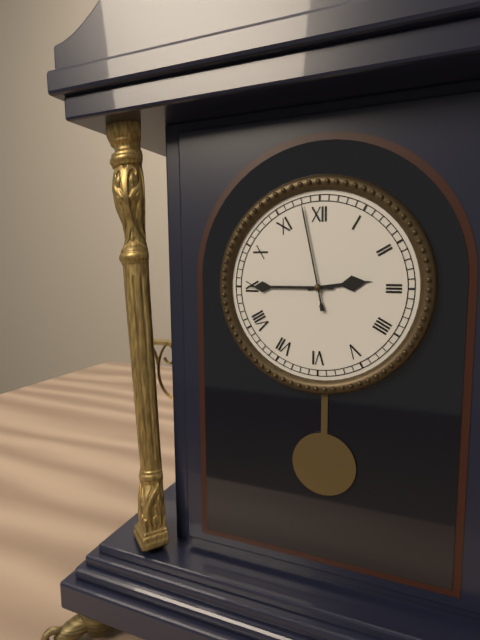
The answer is 2:45:58
